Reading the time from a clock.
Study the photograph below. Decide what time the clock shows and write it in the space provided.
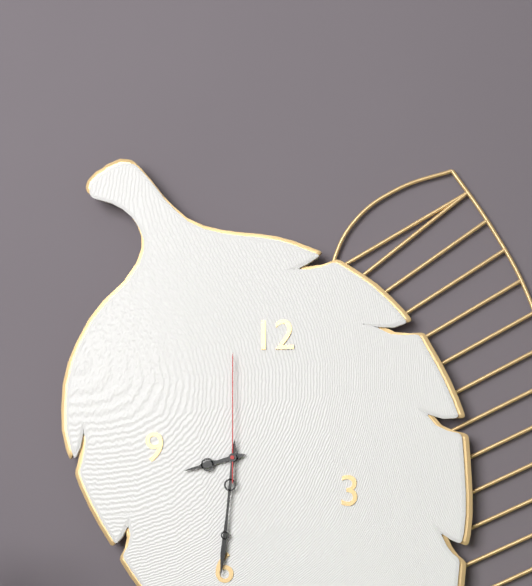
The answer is 8:31:00
